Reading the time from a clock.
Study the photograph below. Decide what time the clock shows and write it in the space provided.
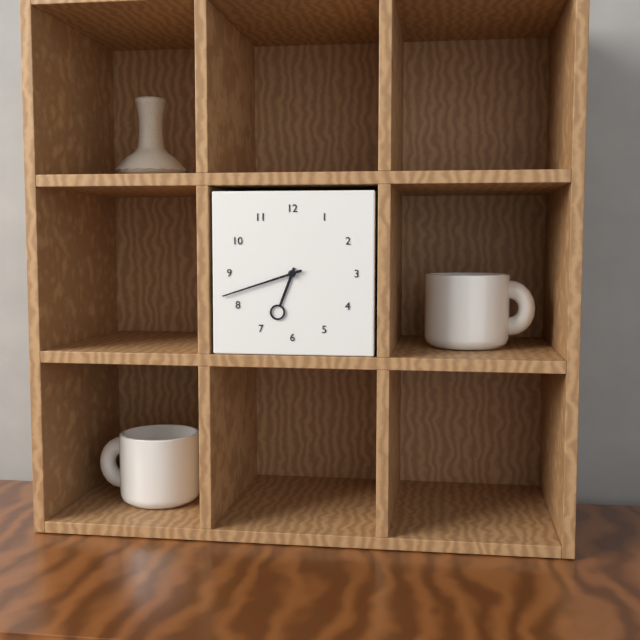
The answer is 6:42
